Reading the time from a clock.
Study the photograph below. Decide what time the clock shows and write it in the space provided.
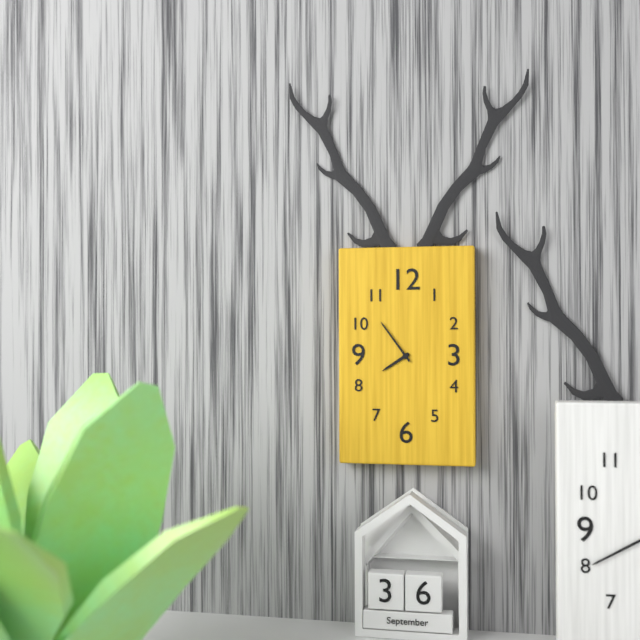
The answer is 7:54
